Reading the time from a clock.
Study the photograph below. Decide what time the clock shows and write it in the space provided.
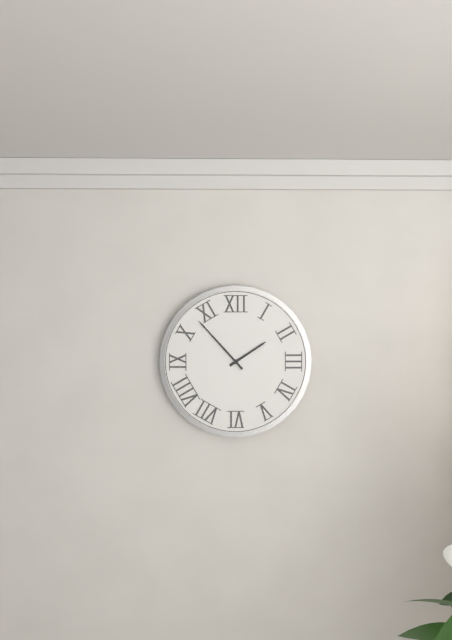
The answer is 1:53
